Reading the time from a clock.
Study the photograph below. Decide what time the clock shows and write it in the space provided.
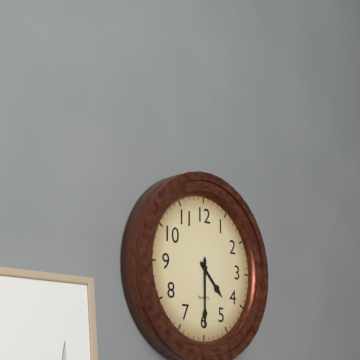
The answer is 4:30
